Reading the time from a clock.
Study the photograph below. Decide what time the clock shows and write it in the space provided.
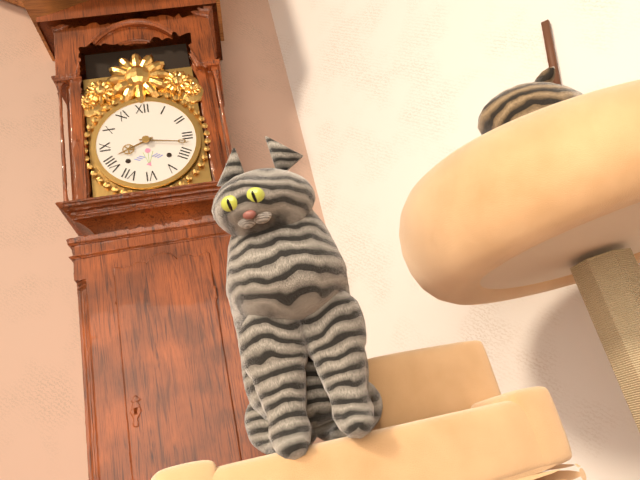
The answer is 8:17
